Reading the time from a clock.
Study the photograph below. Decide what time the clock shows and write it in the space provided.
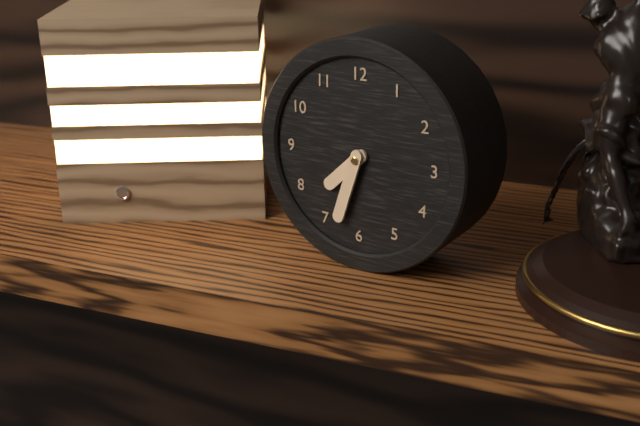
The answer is 7:33
